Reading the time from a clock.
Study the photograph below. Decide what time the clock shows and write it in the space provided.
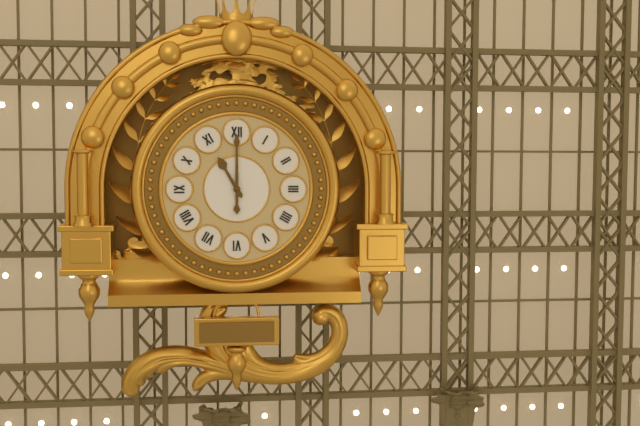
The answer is 11:00
